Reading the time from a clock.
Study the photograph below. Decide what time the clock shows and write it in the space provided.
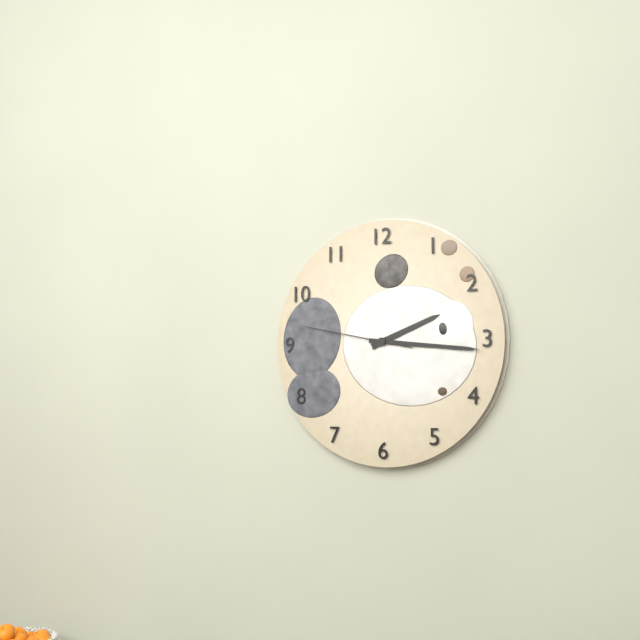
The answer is 2:16:47
